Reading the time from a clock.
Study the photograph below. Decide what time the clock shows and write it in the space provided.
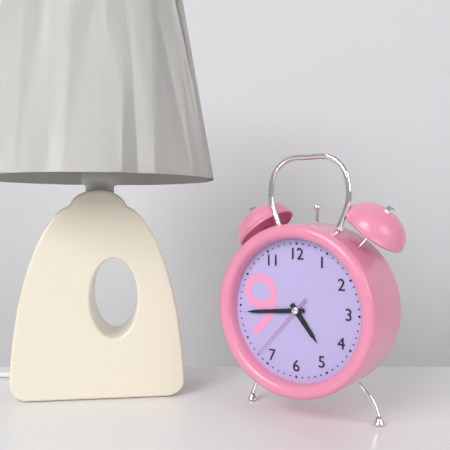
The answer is 4:44:37
